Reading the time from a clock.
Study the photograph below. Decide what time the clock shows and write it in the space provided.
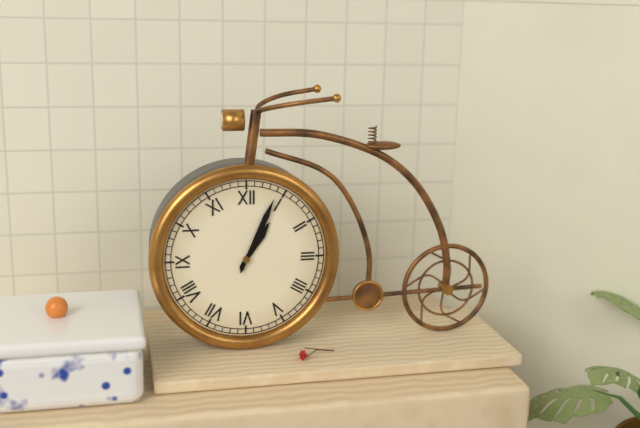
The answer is 1:04
